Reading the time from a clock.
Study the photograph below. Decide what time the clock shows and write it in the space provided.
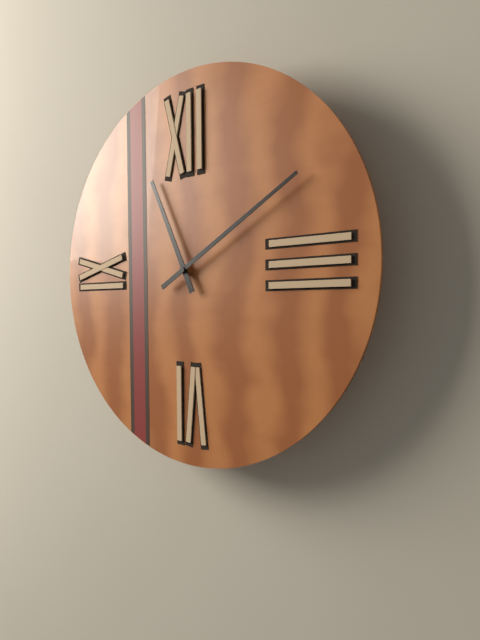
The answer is 11:10
